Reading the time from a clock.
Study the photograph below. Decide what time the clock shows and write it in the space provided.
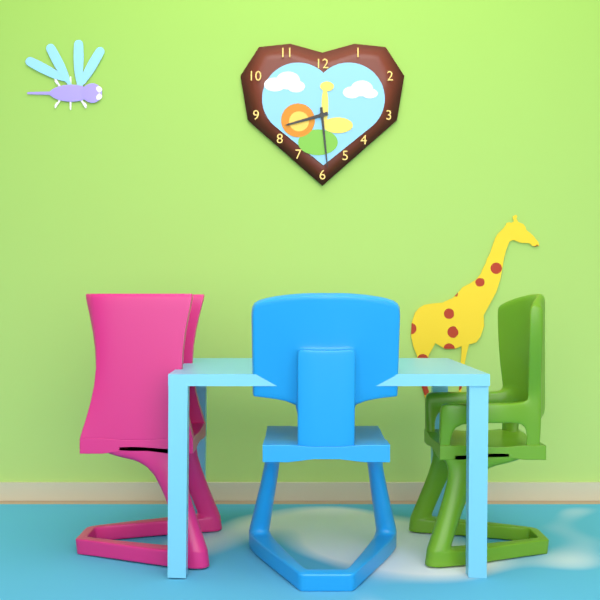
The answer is 8:29
